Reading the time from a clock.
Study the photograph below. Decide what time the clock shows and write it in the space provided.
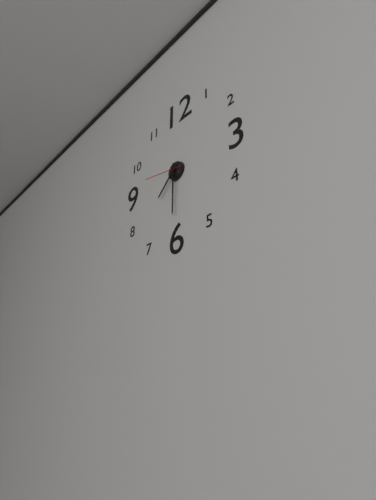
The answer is 7:30
